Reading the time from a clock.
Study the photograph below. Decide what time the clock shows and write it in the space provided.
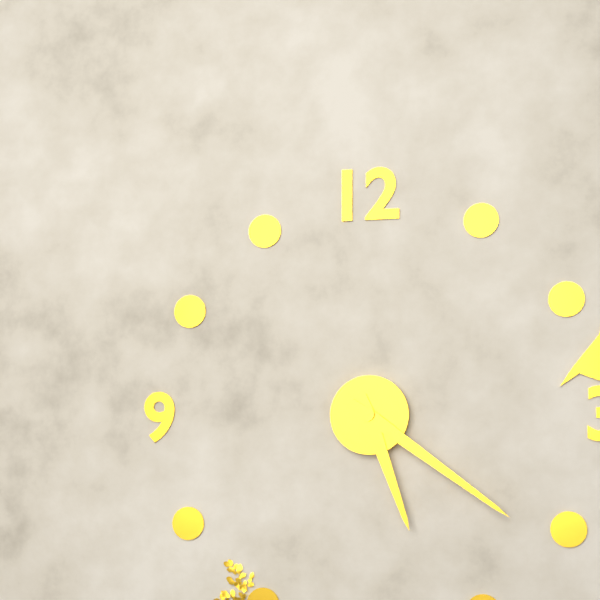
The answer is 5:21
